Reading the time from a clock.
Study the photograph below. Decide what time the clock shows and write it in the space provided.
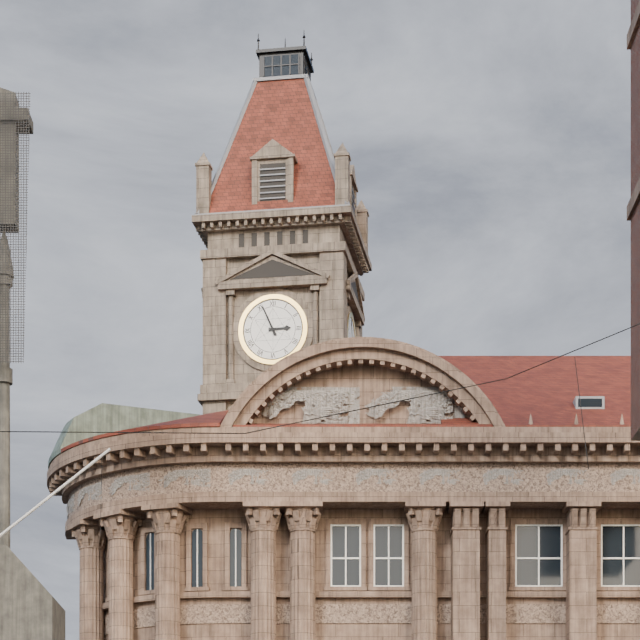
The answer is 2:56
